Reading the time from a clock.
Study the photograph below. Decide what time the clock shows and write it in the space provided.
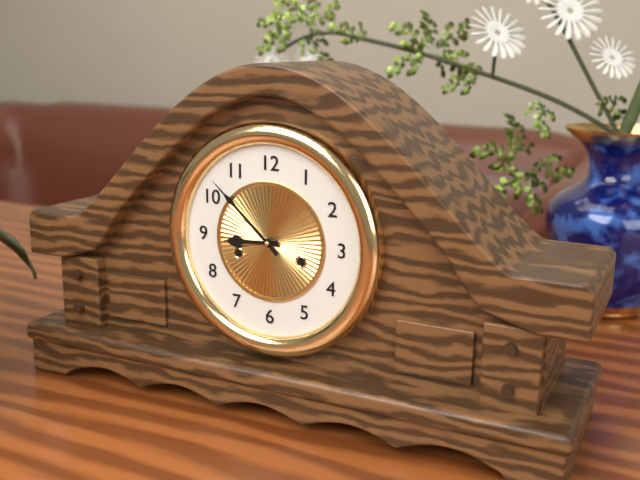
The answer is 8:52
